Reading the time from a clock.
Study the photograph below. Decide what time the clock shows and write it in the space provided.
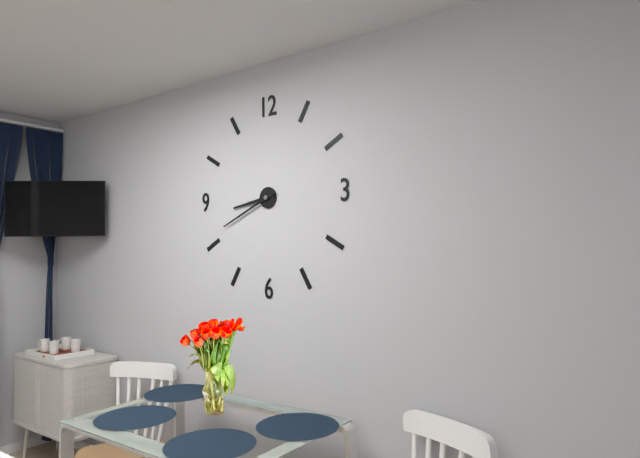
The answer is 8:41
